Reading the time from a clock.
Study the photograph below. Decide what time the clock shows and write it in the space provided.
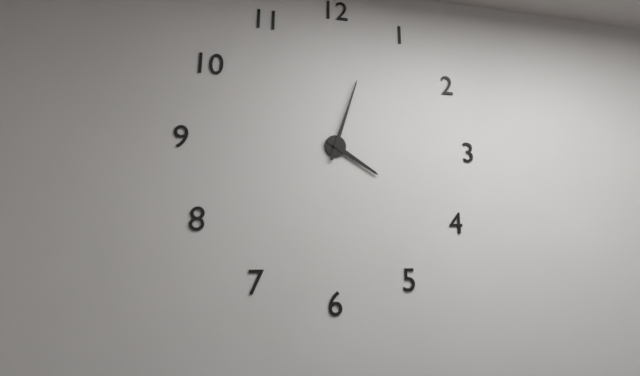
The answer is 4:03
